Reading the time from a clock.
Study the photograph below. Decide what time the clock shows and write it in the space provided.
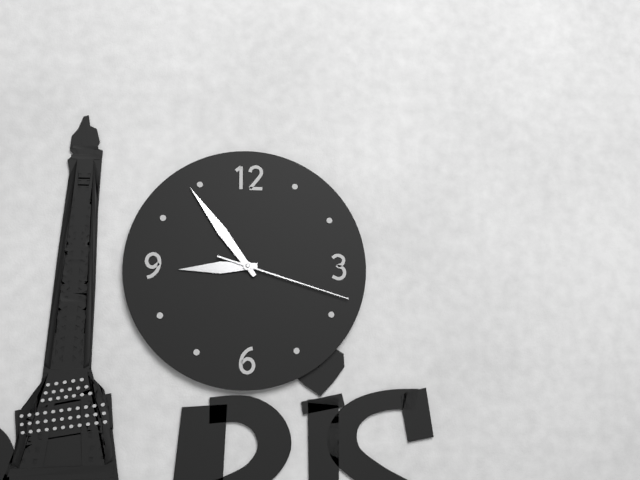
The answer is 8:54:18
